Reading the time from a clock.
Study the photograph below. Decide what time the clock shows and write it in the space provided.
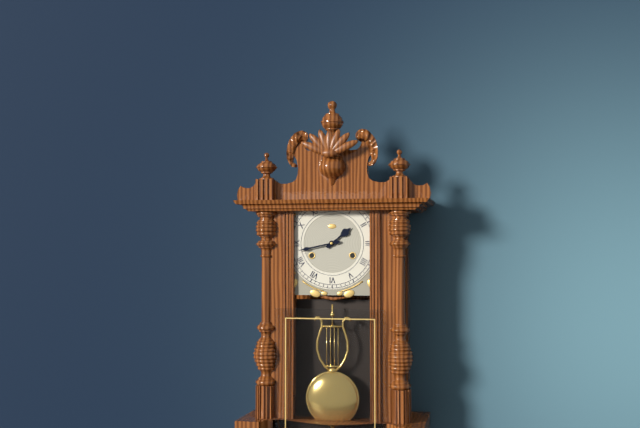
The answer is 1:43
